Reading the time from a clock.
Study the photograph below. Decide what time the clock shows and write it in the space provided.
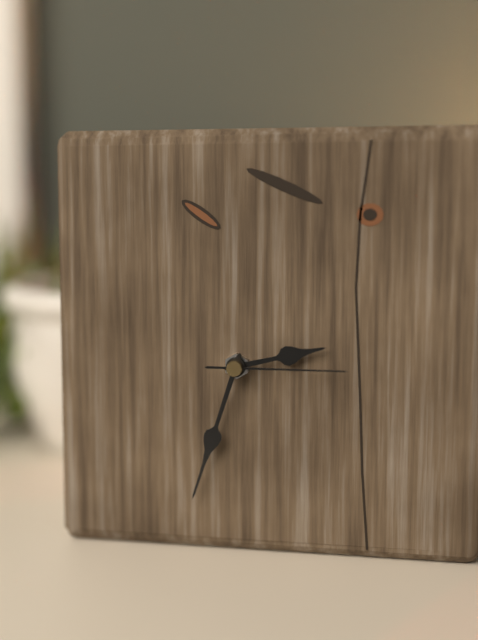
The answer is 2:33:15
